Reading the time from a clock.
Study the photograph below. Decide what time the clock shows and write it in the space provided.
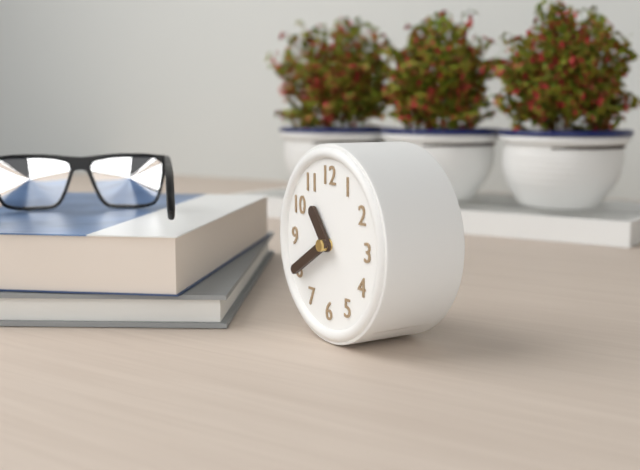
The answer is 10:40
